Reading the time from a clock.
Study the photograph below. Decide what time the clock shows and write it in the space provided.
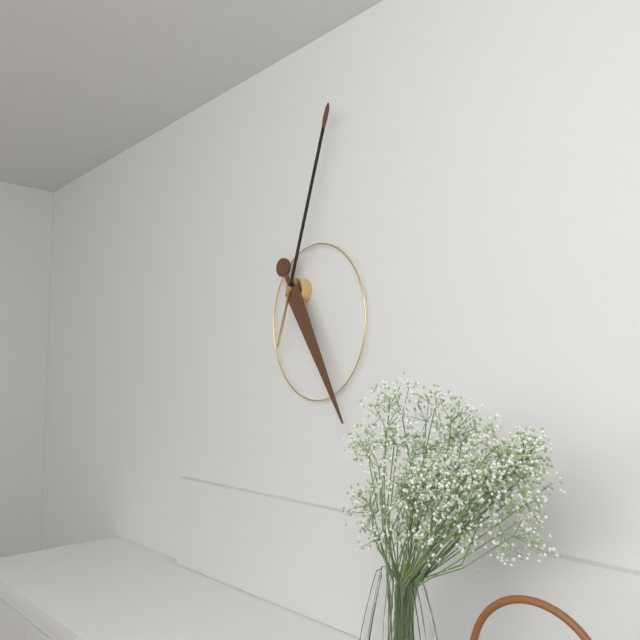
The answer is 5:03
